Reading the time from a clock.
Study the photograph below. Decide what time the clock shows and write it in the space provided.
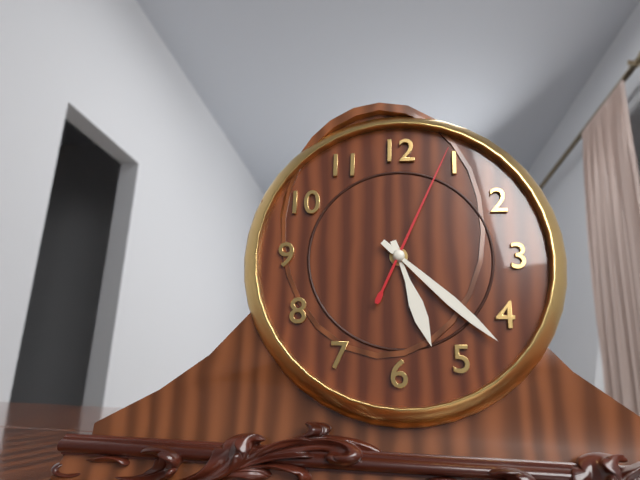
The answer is 5:22:04
